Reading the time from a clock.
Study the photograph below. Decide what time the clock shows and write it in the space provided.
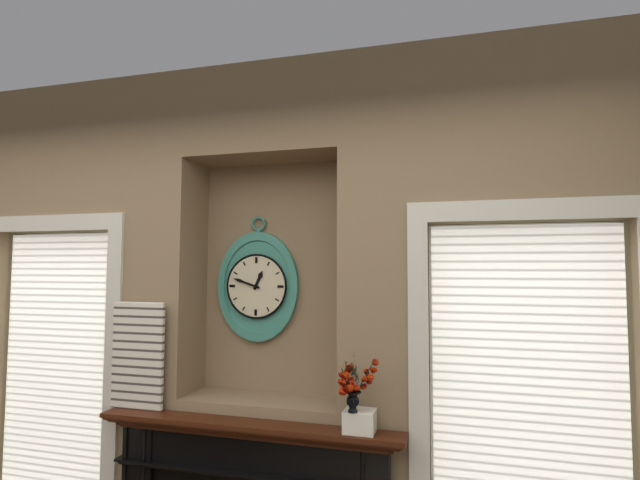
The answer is 12:48
